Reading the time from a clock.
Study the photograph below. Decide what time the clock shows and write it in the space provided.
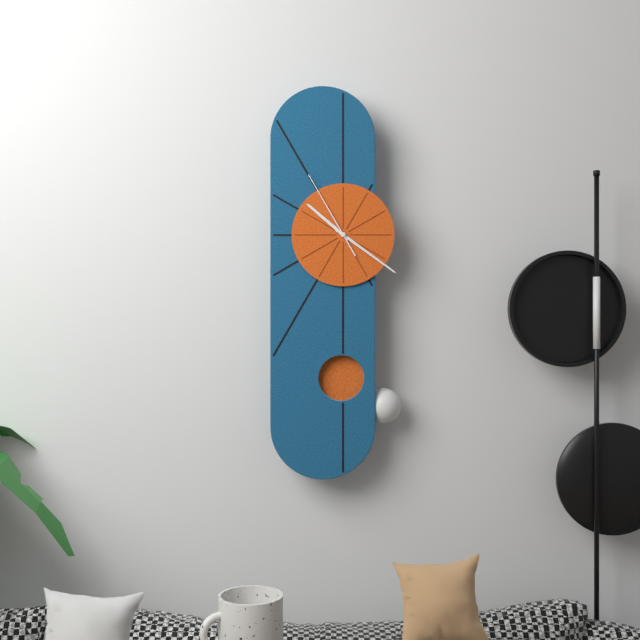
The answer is 10:21:55
